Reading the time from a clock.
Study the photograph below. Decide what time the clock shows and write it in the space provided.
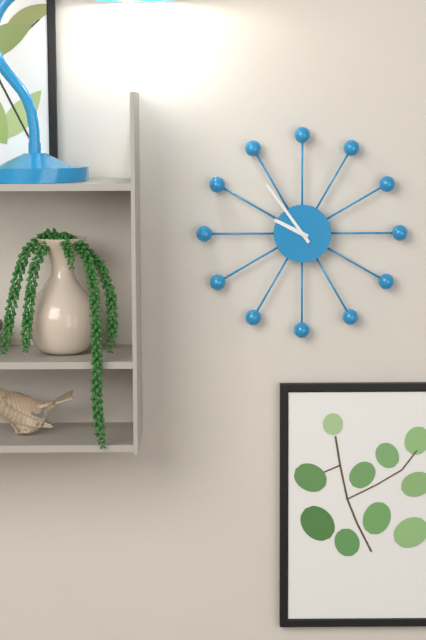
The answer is 9:54
